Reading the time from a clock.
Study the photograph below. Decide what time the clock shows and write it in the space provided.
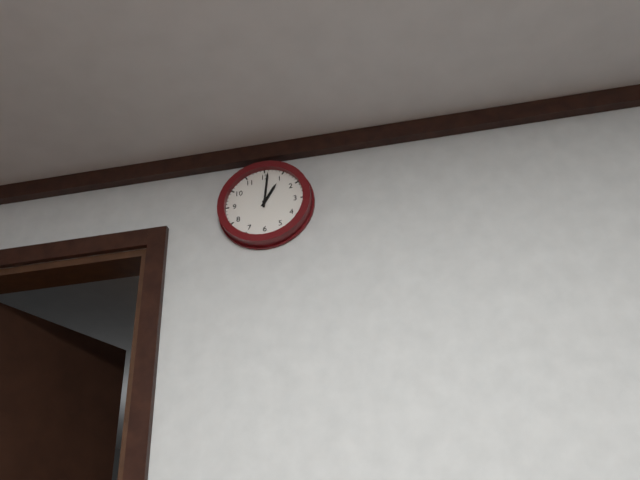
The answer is 1:01
